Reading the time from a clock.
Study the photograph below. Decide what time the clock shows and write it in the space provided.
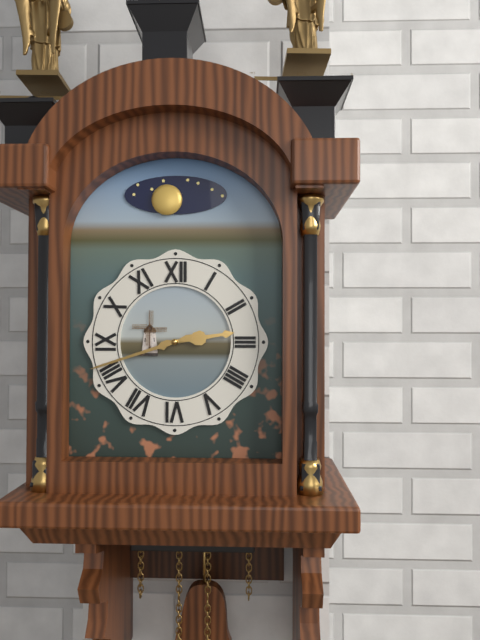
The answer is 2:42
